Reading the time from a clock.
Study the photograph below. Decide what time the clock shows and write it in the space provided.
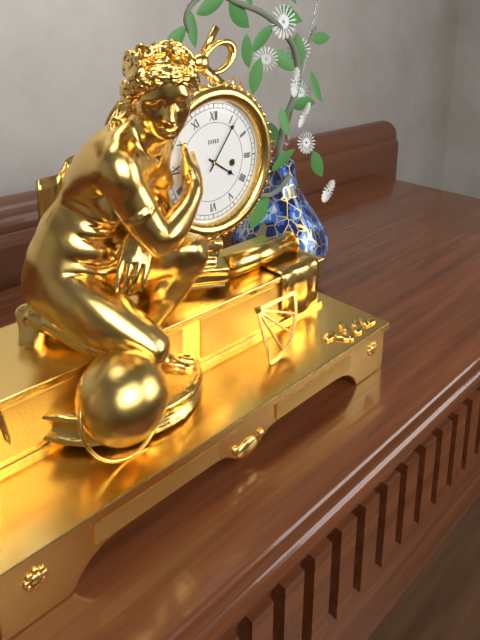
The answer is 4:06
